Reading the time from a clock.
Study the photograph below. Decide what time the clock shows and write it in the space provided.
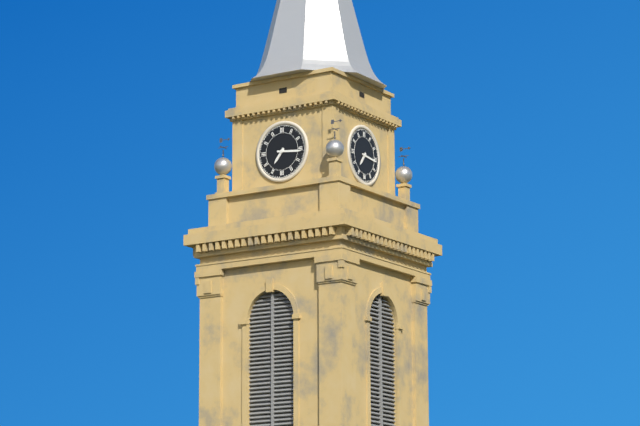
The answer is 7:16
